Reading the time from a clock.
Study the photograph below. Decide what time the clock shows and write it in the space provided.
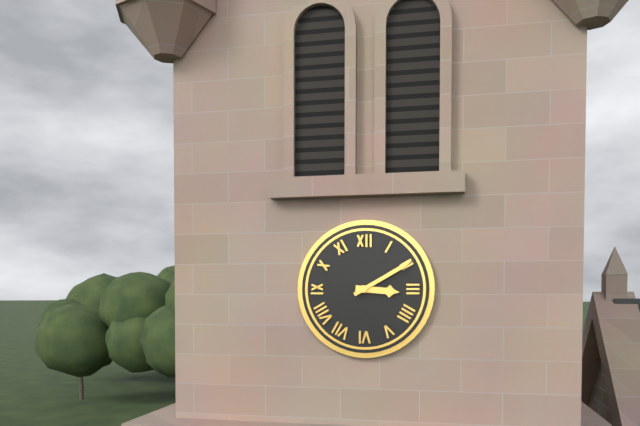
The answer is 3:10
